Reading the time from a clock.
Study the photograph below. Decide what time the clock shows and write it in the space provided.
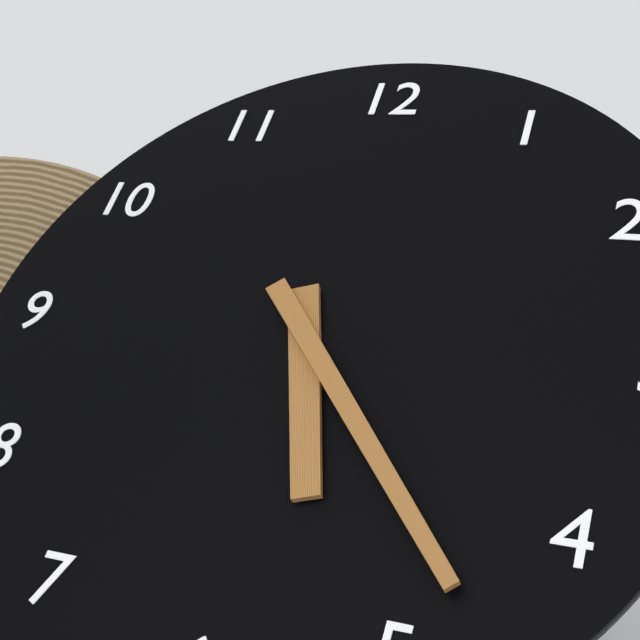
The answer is 5:23
